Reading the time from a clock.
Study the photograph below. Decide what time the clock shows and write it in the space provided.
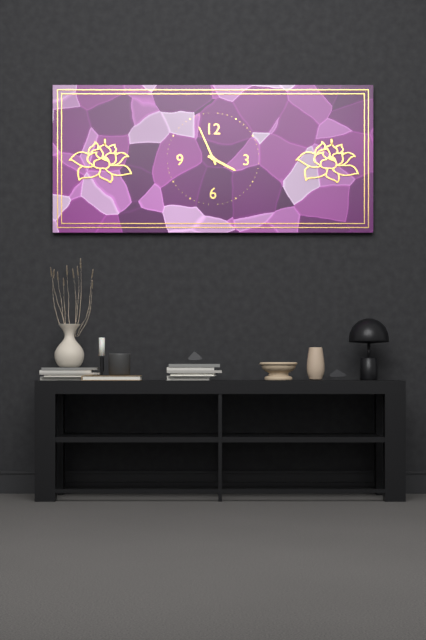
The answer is 3:56
